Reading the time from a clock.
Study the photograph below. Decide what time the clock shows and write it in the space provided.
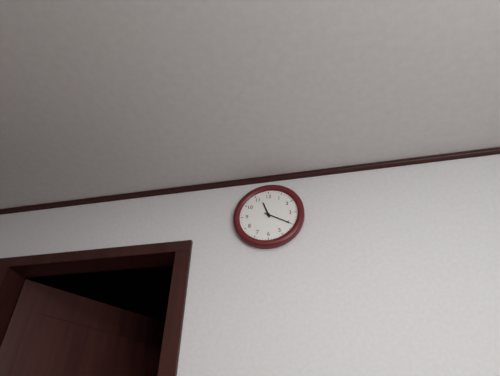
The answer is 11:20
